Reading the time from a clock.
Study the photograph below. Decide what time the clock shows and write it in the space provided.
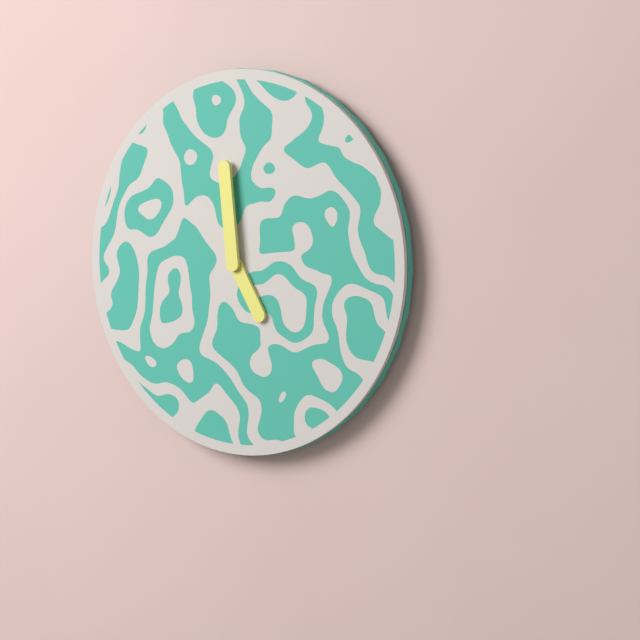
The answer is 4:59
